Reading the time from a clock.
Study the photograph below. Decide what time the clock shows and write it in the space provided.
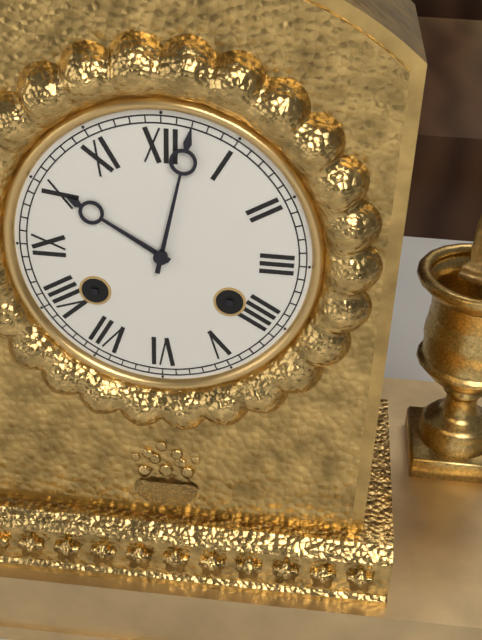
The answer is 10:02
